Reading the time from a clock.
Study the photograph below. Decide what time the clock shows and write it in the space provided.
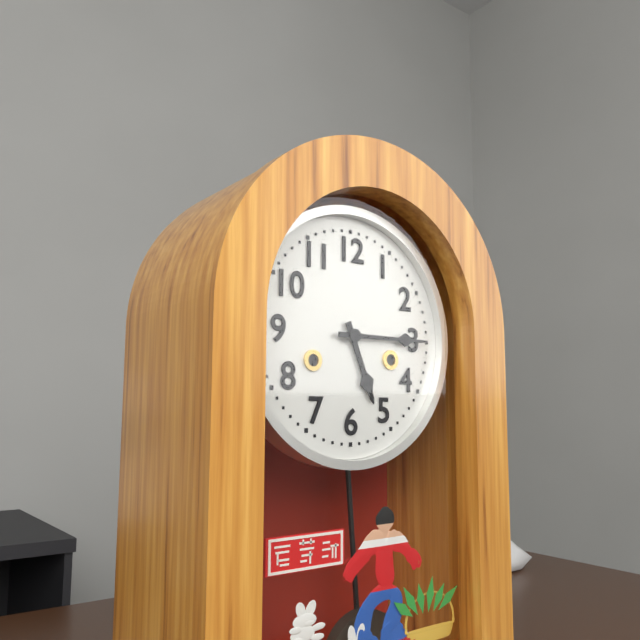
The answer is 5:15
